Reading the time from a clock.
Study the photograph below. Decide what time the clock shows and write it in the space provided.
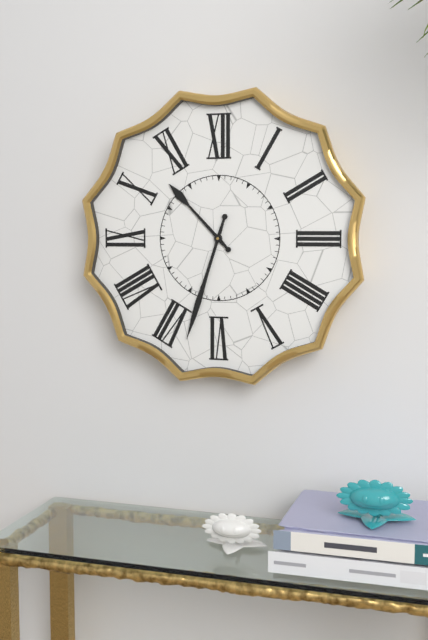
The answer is 10:33
